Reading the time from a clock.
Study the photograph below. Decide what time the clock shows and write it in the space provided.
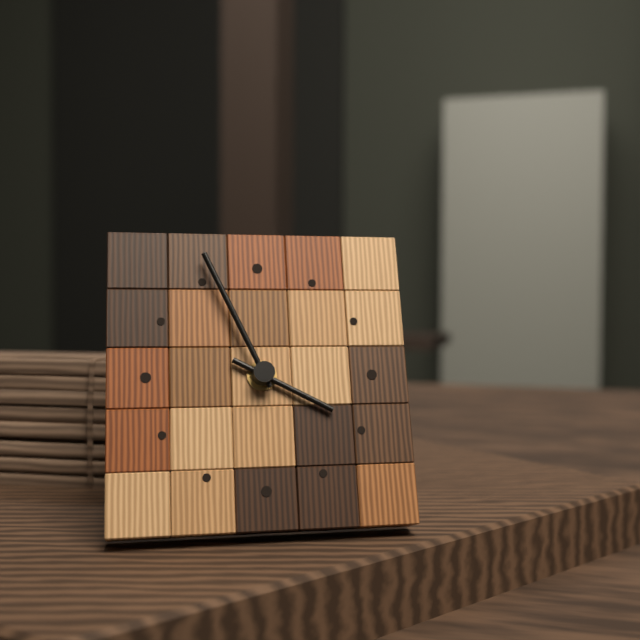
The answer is 3:56
